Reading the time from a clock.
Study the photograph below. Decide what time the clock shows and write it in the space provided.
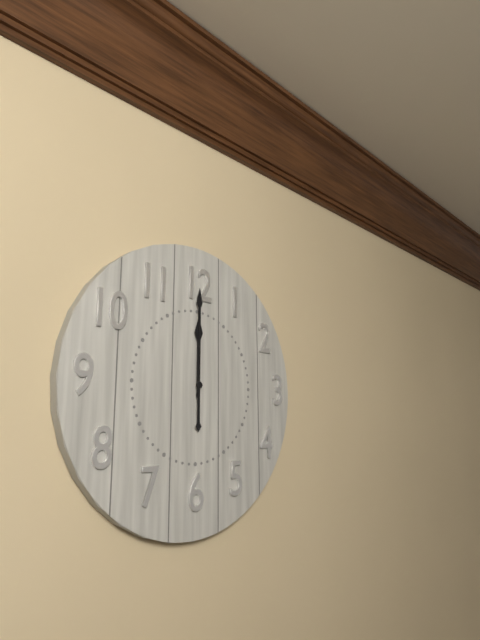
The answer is 12:00
